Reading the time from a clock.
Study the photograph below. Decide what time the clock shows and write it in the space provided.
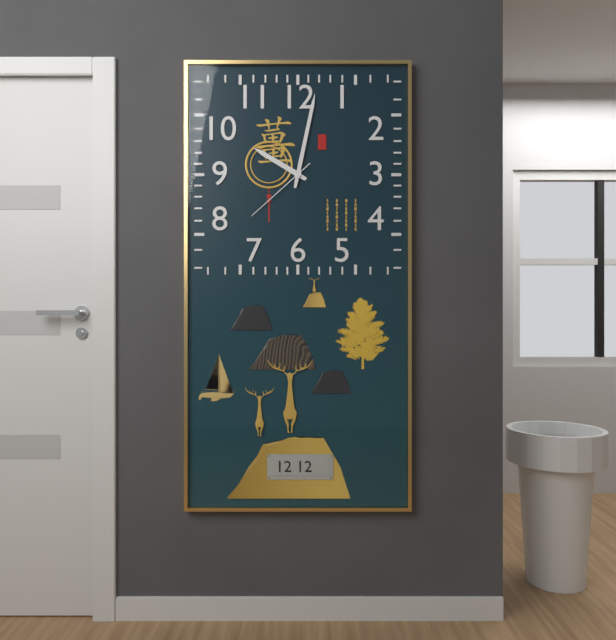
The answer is 10:02:38
